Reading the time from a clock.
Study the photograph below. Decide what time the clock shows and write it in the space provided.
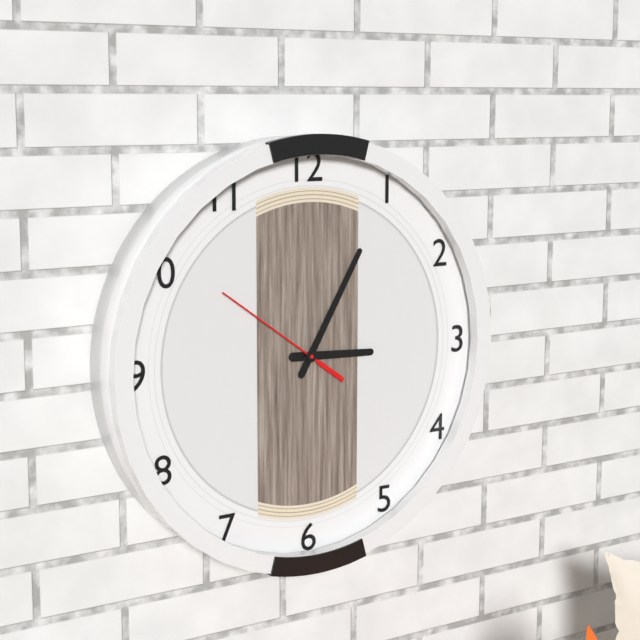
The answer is 3:05:51
